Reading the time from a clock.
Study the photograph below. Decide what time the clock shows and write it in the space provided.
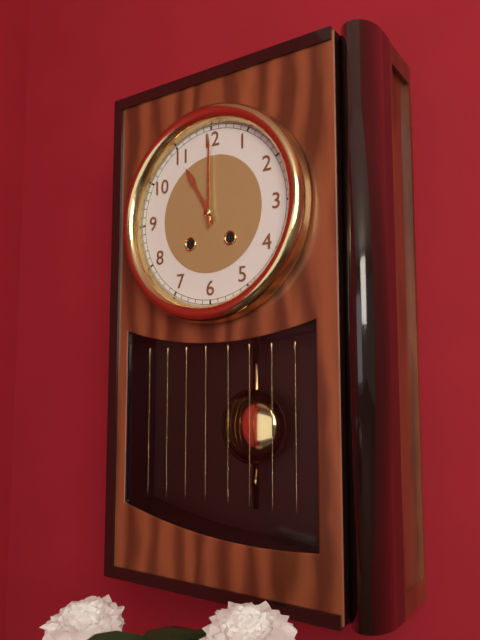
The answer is 11:00
